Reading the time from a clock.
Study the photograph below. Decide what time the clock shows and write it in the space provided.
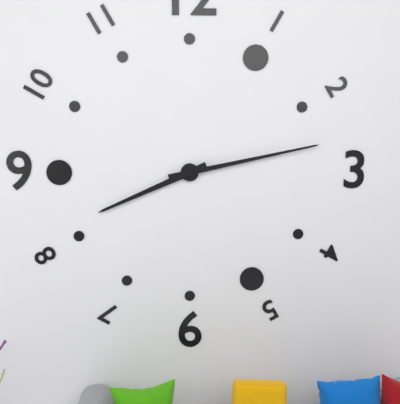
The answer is 8:13
